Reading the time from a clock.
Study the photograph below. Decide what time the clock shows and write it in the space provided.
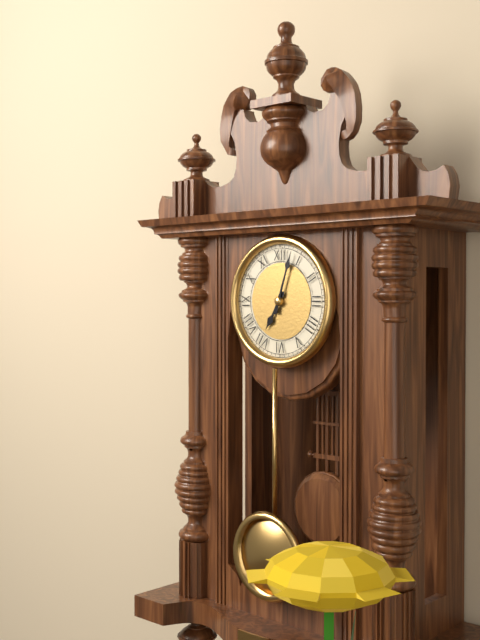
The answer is 7:03
